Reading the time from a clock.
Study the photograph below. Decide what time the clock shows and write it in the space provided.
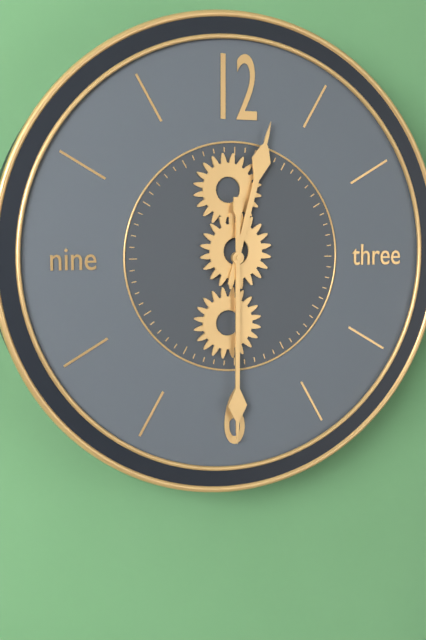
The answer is 12:30
